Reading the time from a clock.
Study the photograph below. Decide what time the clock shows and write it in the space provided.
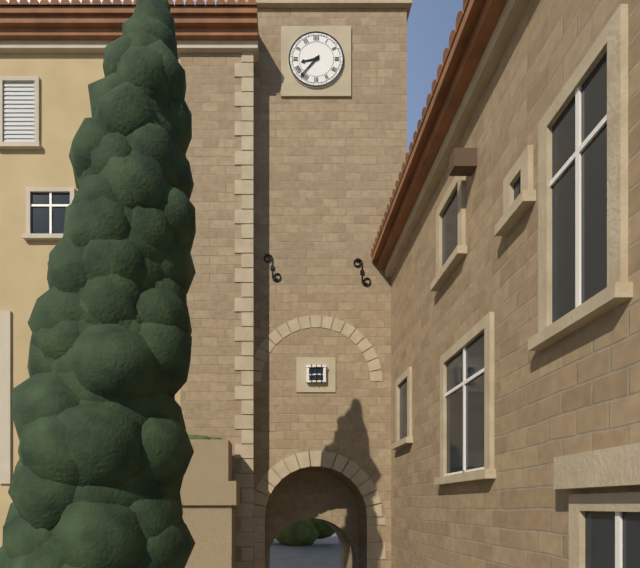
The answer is 8:37
